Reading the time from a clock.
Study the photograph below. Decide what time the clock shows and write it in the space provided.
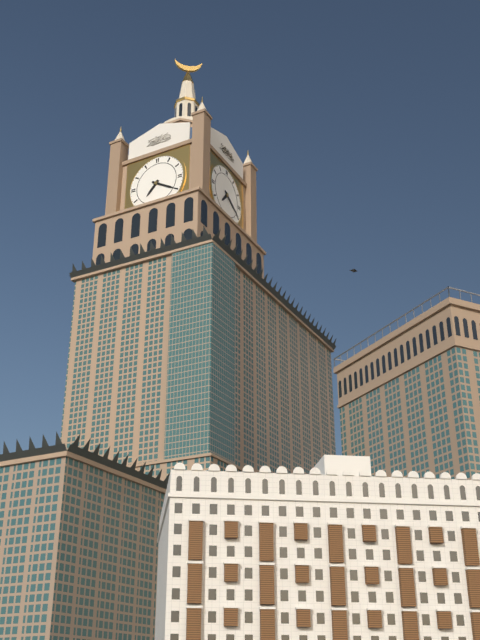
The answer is 7:20
